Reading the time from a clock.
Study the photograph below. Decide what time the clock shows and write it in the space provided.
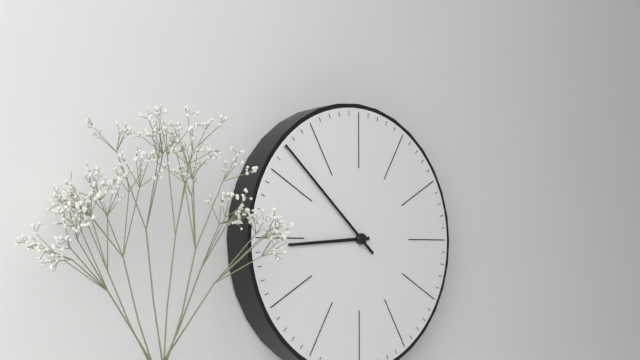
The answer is 8:52
